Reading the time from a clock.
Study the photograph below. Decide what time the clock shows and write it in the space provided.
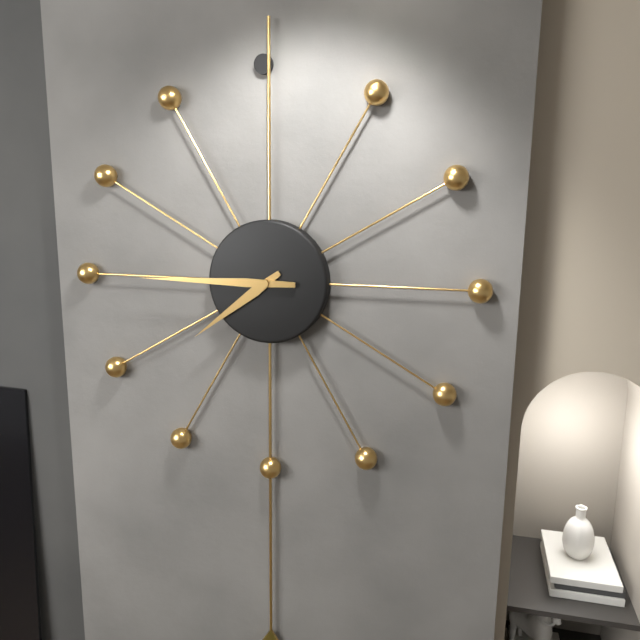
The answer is 7:45
